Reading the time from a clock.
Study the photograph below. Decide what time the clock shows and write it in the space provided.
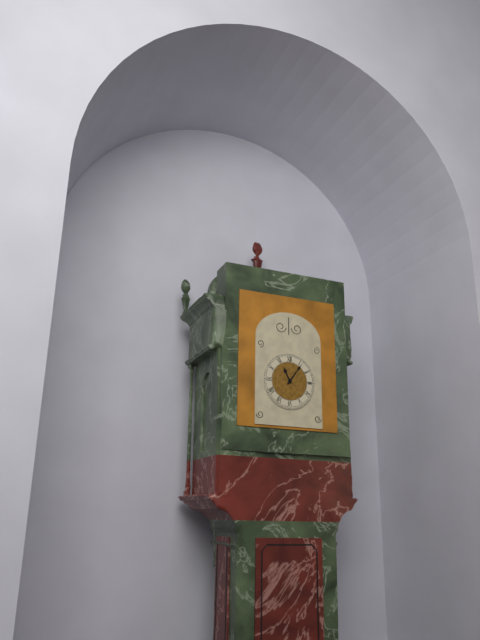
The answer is 11:06
